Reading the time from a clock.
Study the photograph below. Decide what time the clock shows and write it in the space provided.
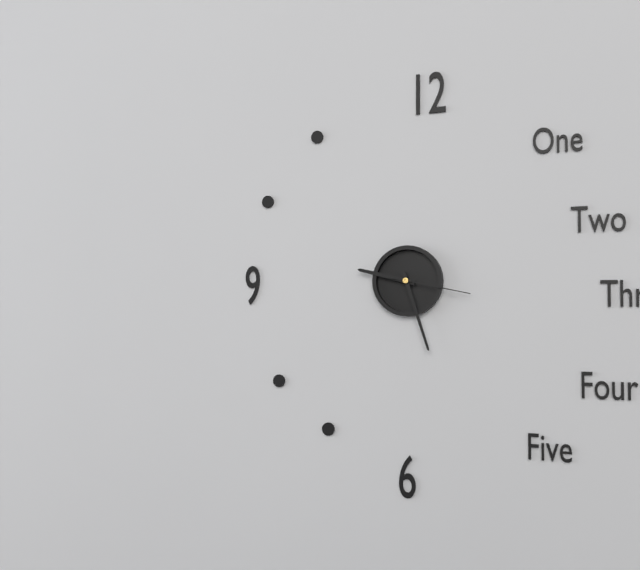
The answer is 9:27:17
